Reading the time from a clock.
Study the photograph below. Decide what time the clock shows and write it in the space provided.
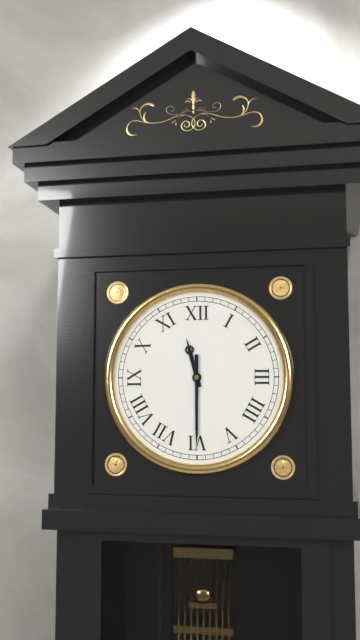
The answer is 11:30
